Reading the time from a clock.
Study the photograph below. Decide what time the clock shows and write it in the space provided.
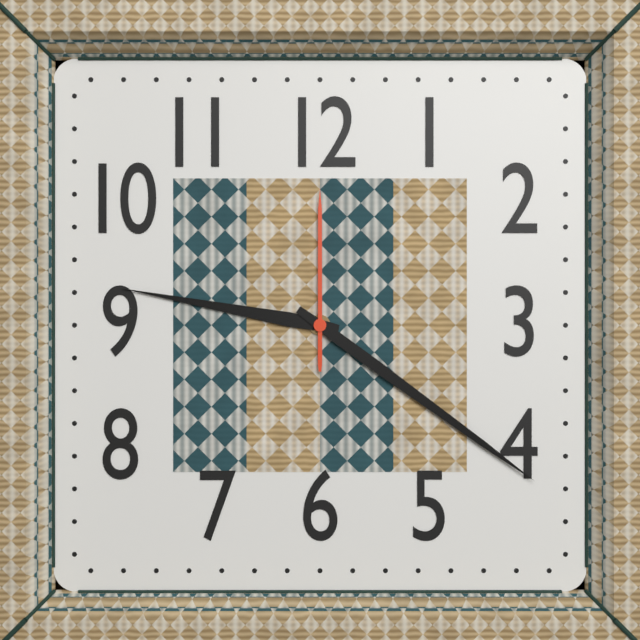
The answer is 9:21:00
